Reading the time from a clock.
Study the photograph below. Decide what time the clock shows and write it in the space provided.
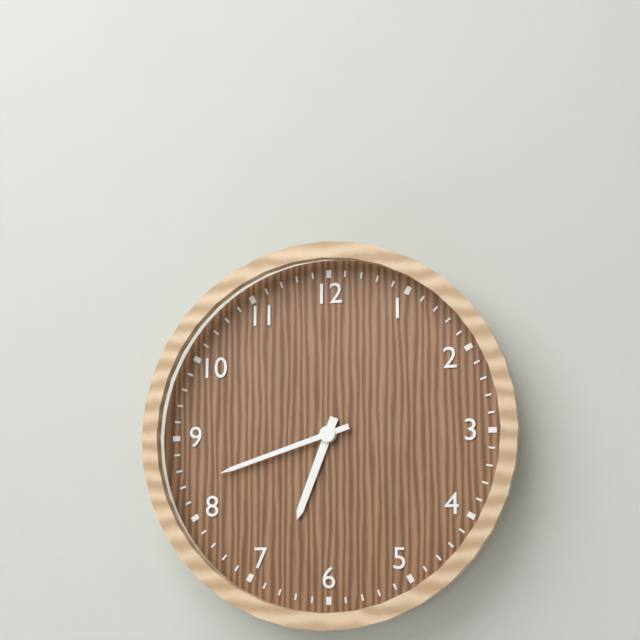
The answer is 6:42
